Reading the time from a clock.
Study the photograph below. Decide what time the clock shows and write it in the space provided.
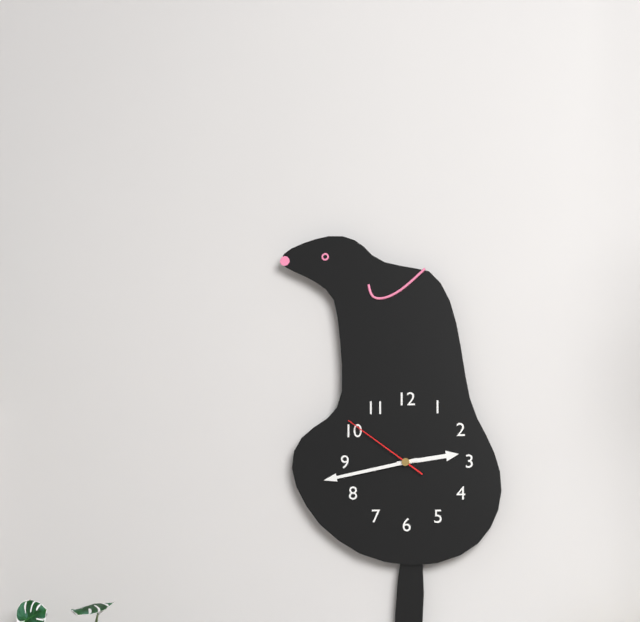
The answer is 2:43:51
